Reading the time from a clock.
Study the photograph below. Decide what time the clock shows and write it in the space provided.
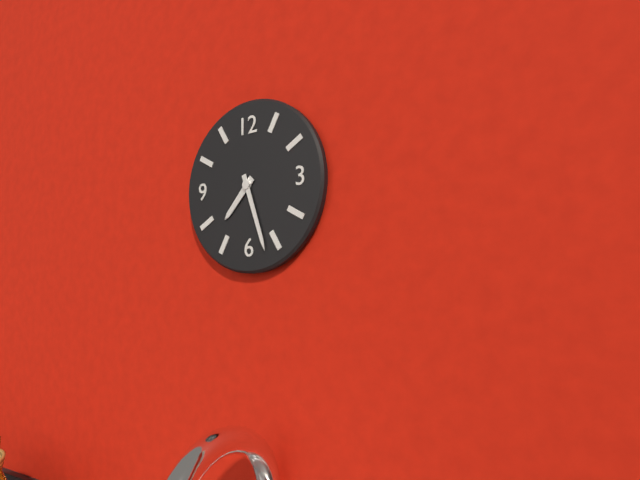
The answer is 7:27
